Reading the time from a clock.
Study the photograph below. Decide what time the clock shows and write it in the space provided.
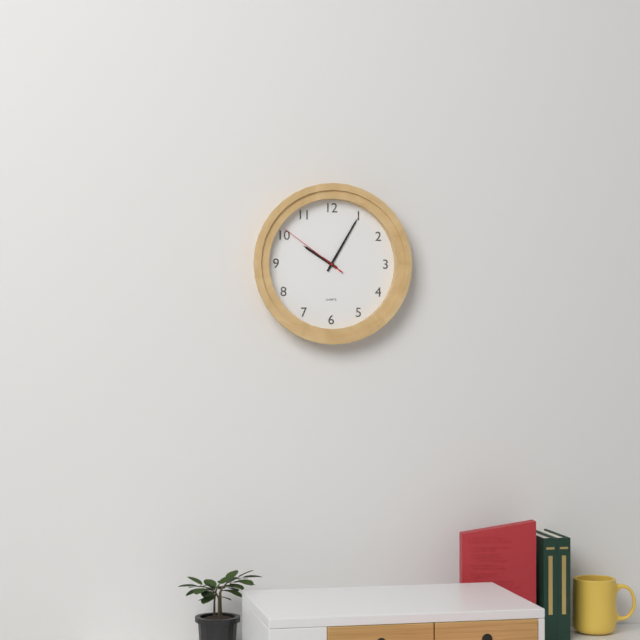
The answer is 10:05:51
